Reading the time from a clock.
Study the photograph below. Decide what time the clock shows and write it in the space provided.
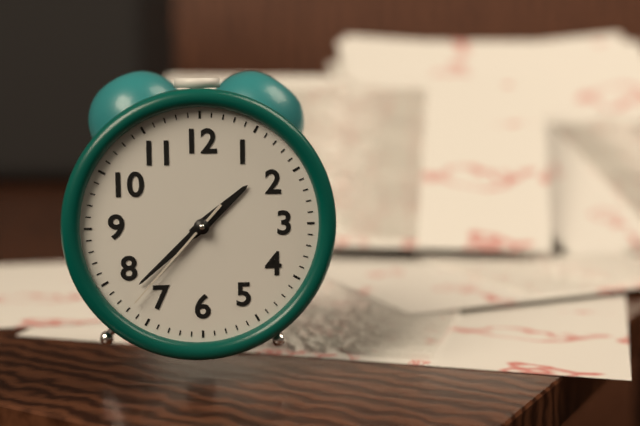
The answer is 1:38:37
